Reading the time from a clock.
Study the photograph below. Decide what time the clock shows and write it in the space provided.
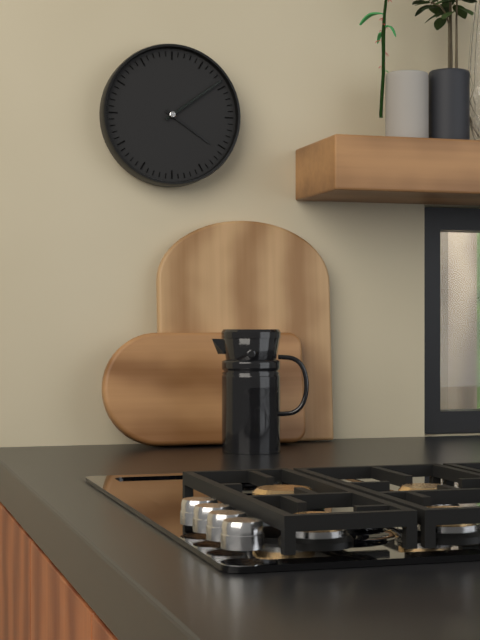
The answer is 4:09
